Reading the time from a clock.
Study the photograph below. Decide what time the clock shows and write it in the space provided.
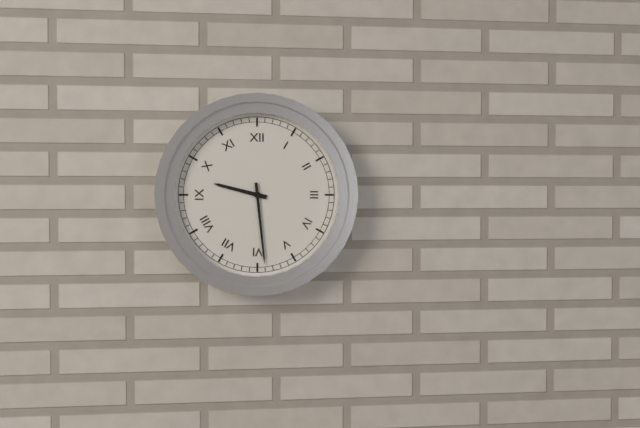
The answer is 9:29
